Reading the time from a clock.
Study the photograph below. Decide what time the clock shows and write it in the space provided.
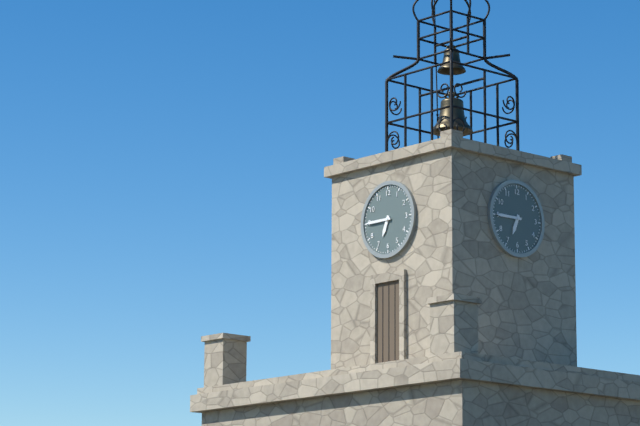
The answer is 6:45
